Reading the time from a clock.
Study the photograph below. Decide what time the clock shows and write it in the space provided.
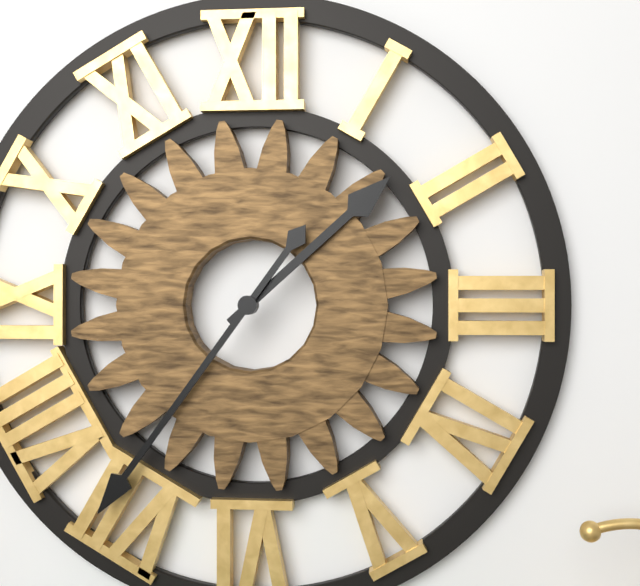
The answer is 1:36
